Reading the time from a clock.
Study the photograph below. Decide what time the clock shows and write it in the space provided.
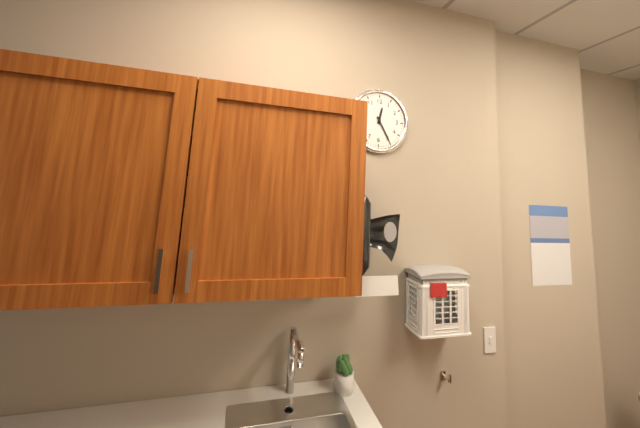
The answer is 12:25
